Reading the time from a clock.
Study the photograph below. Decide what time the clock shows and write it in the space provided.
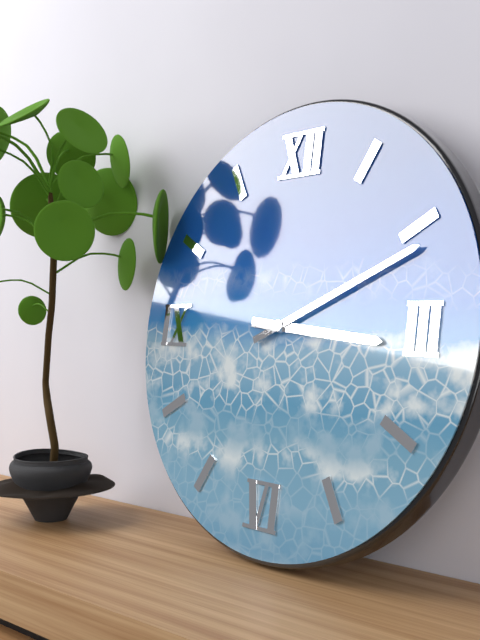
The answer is 3:11
